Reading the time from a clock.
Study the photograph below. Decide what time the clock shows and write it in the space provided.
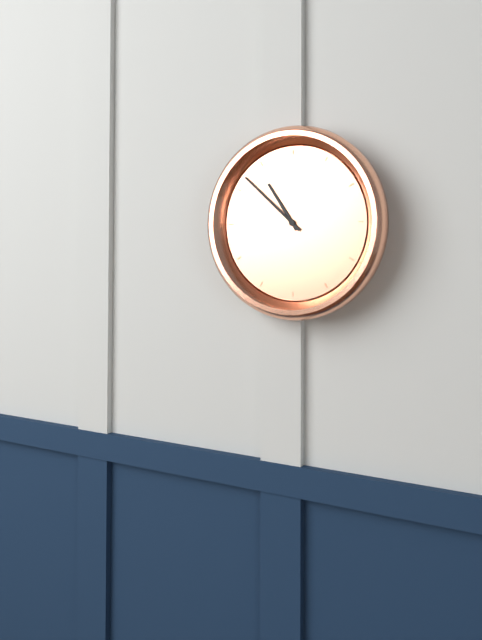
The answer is 10:52
